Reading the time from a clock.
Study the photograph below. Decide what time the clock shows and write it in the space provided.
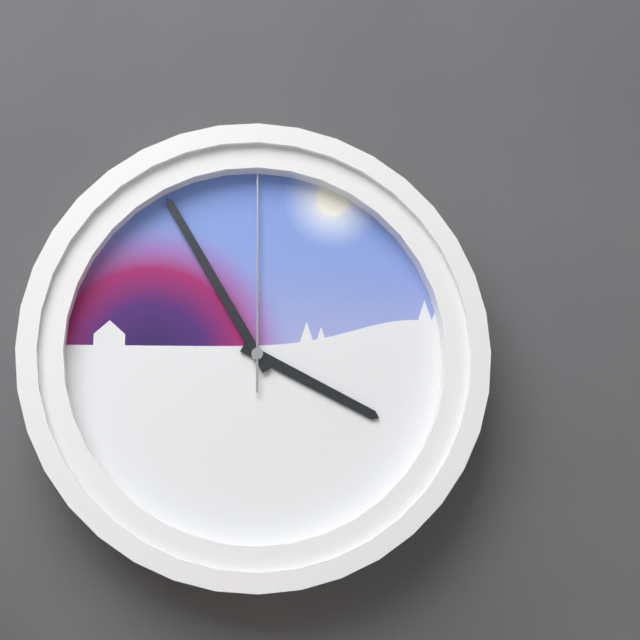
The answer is 3:55:00
